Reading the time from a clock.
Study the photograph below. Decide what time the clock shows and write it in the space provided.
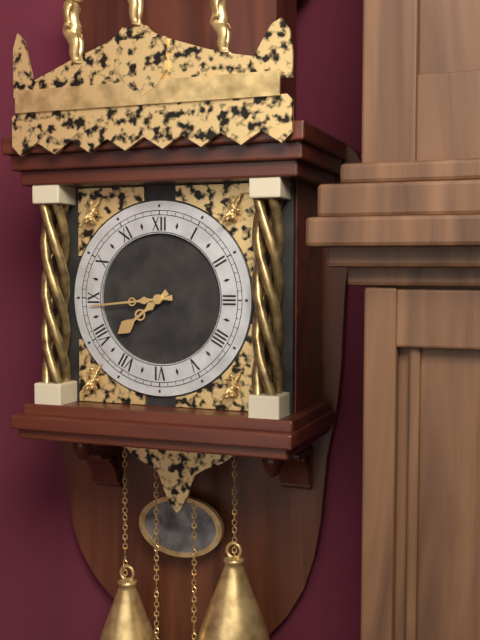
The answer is 7:44
